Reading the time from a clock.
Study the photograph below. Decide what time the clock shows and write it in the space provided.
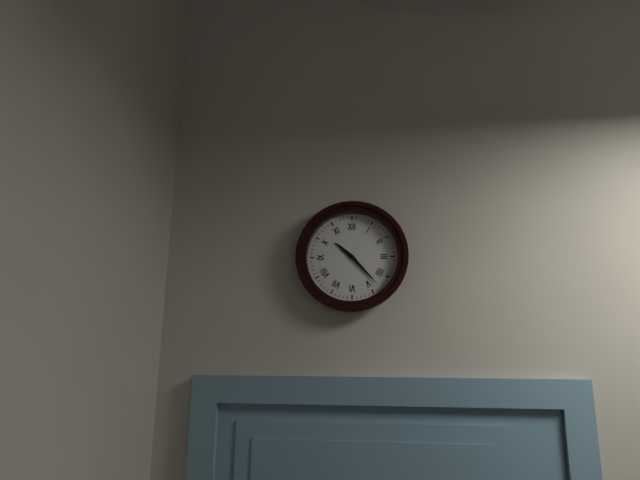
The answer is 10:23
